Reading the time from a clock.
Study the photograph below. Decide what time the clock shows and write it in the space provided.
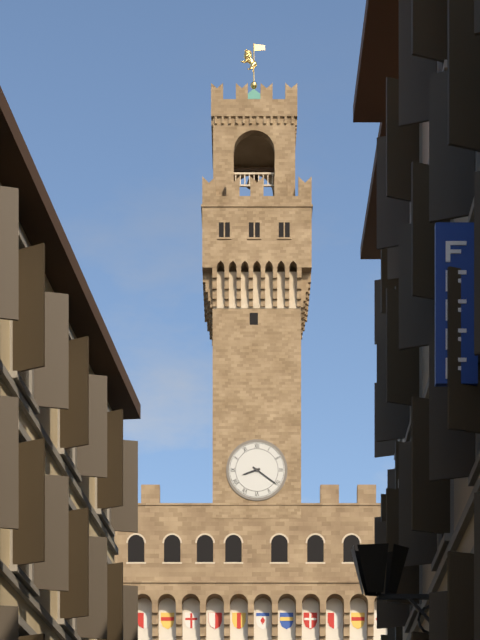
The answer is 8:21
